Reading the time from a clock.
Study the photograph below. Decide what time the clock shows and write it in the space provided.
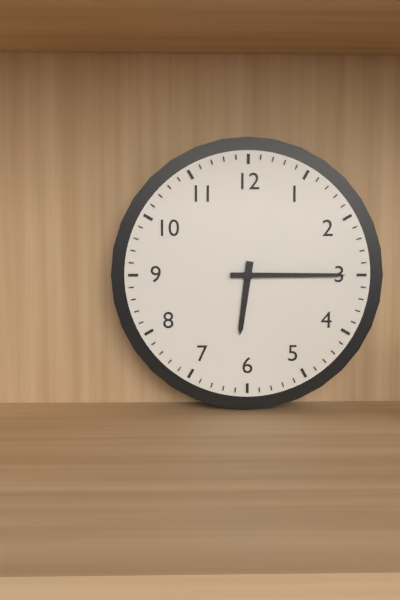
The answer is 6:15
